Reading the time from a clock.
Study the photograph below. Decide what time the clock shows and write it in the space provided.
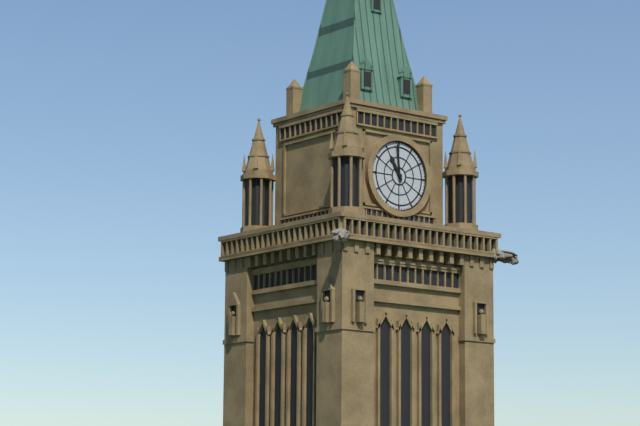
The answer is 10:59
